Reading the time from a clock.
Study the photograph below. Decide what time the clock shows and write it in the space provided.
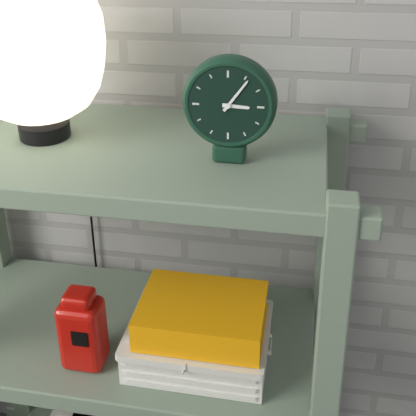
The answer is 3:06
